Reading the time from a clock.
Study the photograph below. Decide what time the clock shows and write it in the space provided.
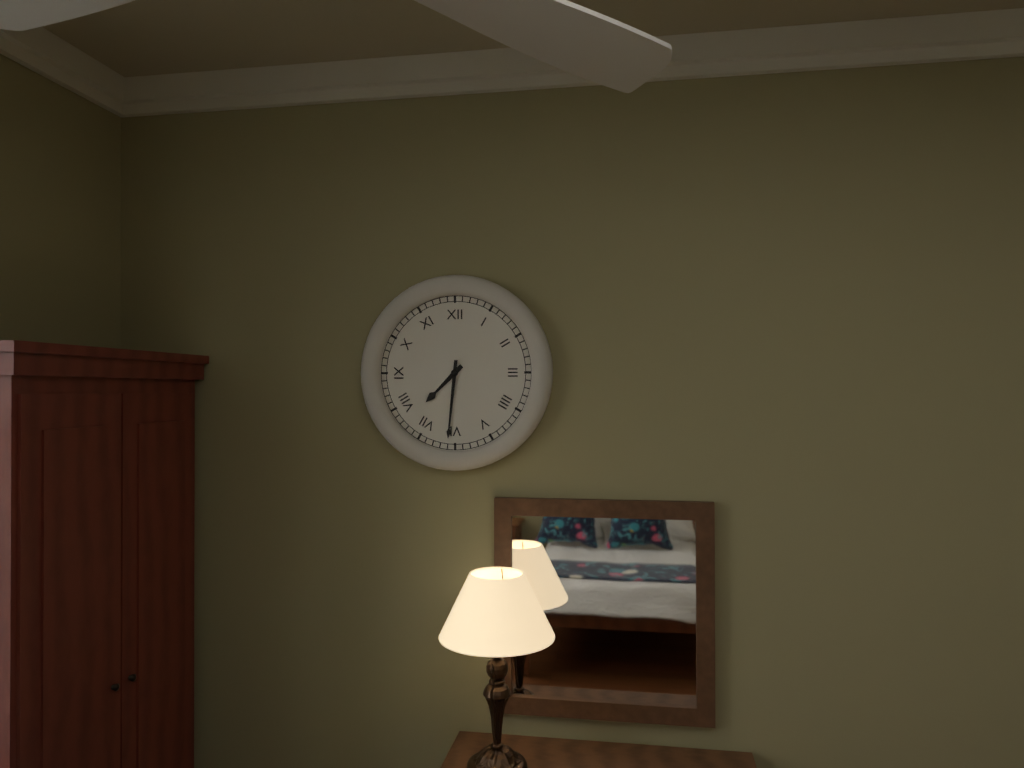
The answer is 7:31
